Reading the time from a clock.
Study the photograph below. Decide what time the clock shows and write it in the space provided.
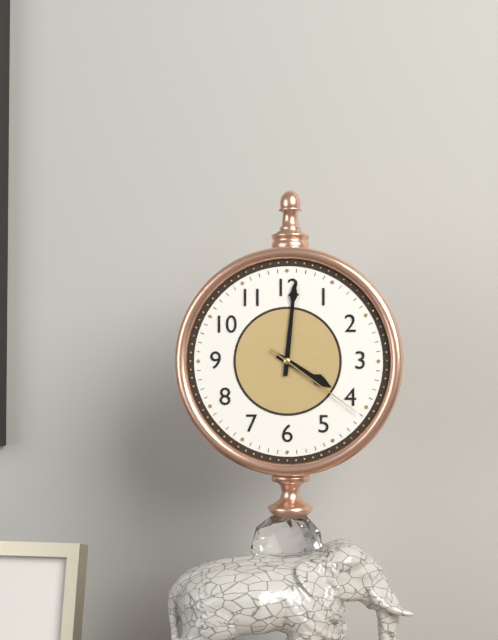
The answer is 4:01:21
